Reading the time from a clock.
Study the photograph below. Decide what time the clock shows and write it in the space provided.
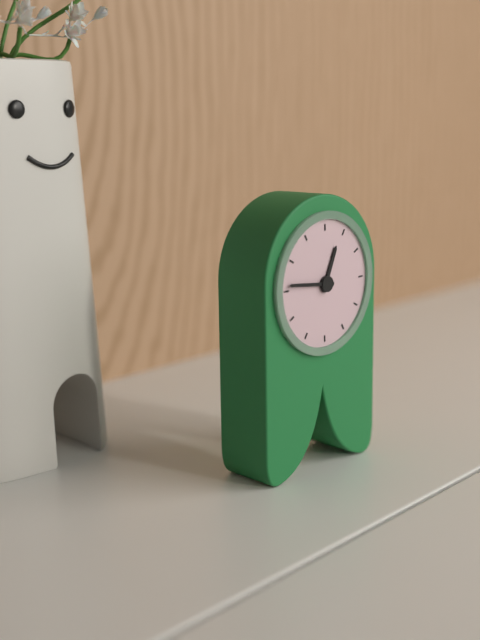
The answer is 12:46
